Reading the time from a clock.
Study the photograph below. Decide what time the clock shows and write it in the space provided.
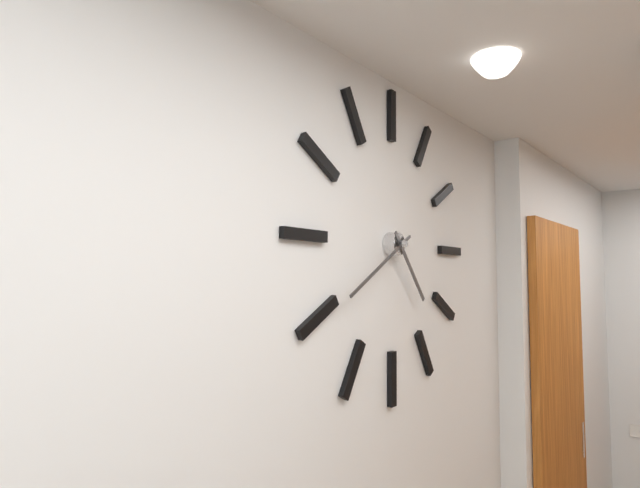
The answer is 4:40
